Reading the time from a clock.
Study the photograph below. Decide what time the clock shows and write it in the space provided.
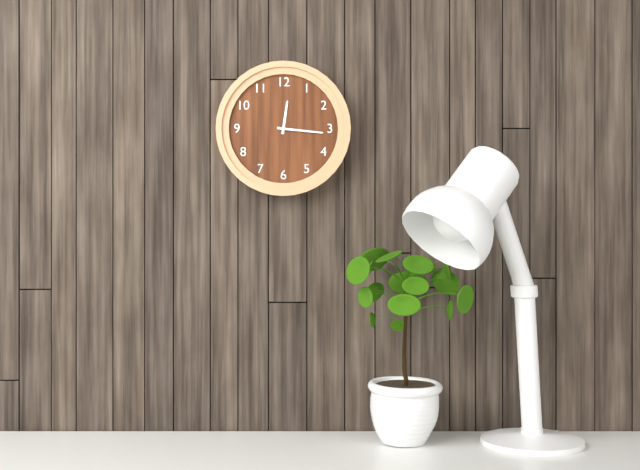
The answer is 12:16
